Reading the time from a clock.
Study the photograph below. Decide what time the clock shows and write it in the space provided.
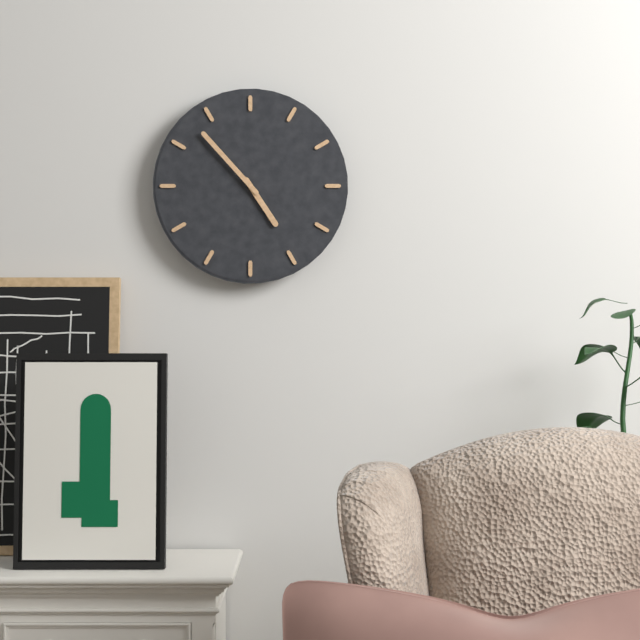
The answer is 4:53
